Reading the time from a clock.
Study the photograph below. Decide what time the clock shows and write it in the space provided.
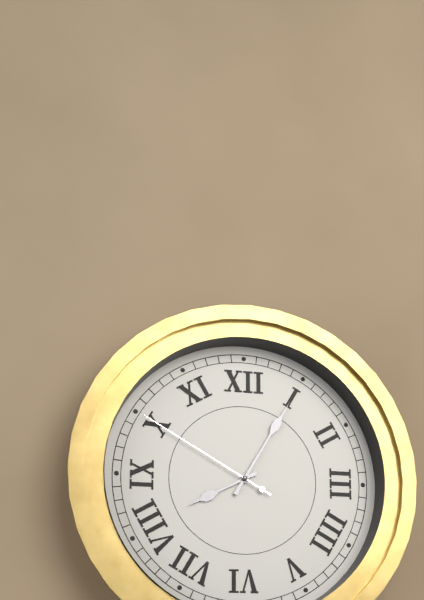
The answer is 8:05:50
